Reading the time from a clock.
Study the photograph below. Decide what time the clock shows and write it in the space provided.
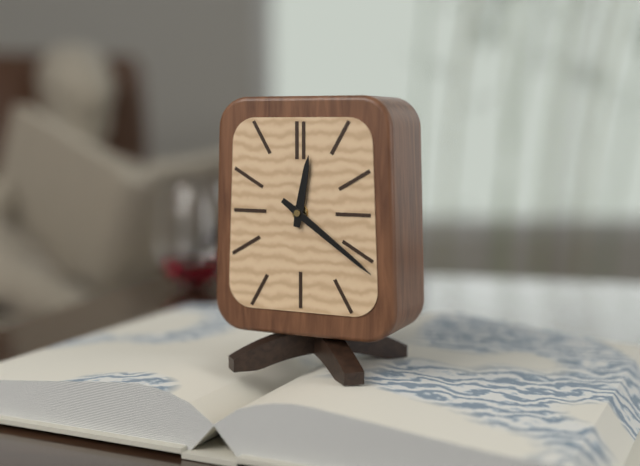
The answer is 12:21
